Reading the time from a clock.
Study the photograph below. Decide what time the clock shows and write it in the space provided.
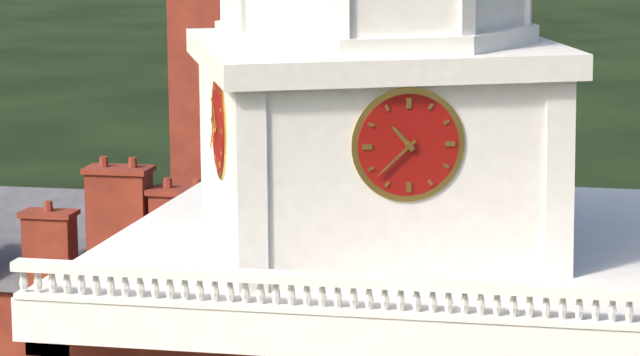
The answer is 10:38
